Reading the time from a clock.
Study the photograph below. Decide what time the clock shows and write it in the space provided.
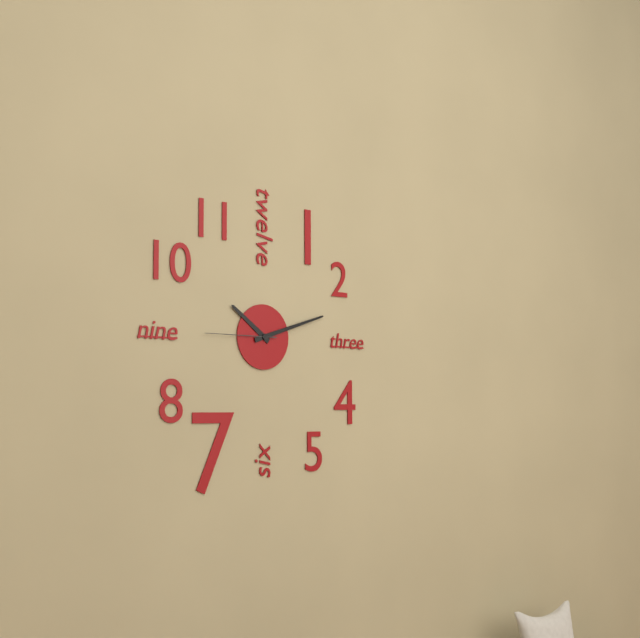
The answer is 10:12:45
